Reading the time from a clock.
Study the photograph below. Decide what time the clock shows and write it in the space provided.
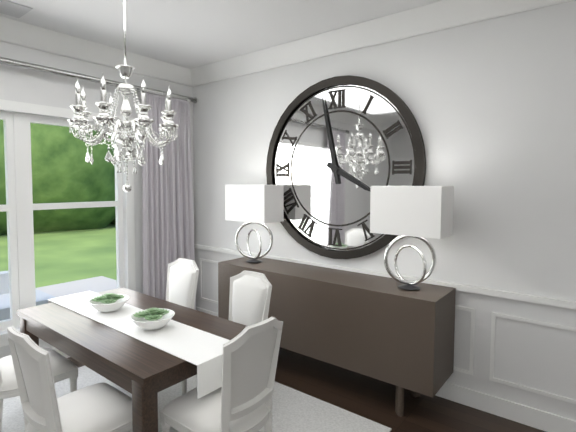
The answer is 3:58
